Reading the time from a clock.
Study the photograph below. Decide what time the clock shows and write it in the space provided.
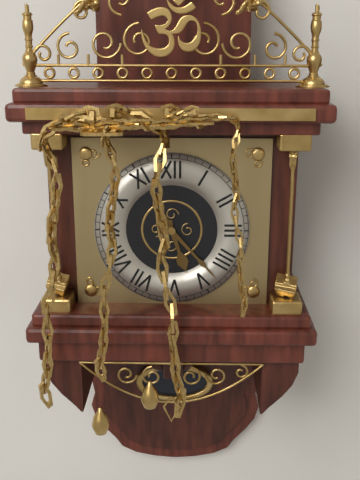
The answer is 5:23
